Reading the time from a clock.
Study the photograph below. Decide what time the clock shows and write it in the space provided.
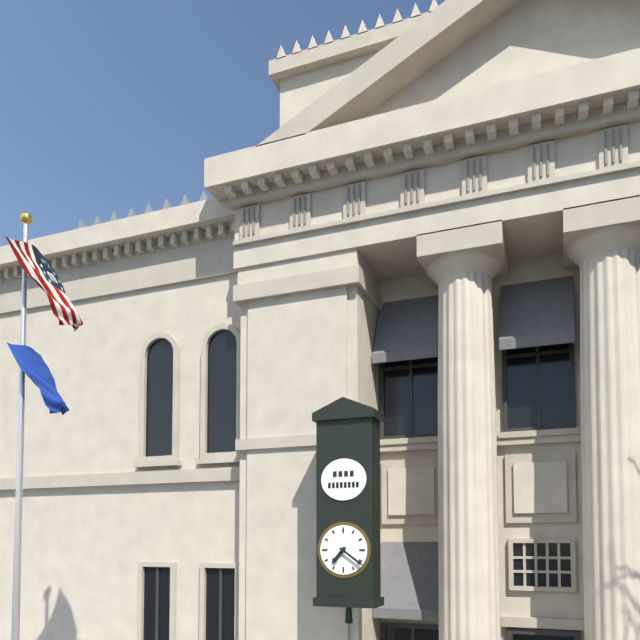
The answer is 7:21
